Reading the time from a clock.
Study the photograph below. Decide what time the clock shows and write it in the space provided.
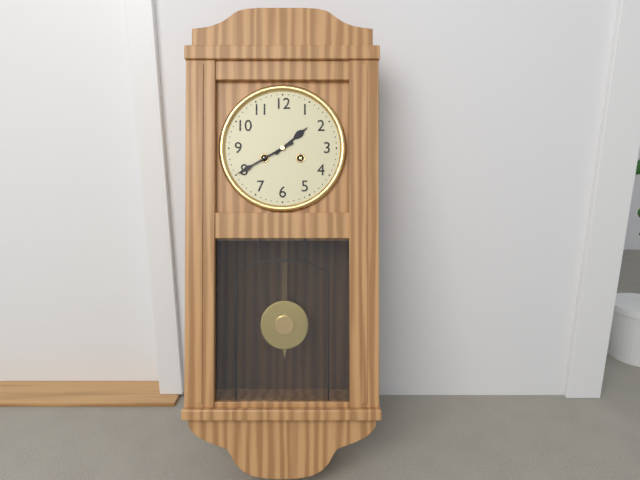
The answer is 1:40
